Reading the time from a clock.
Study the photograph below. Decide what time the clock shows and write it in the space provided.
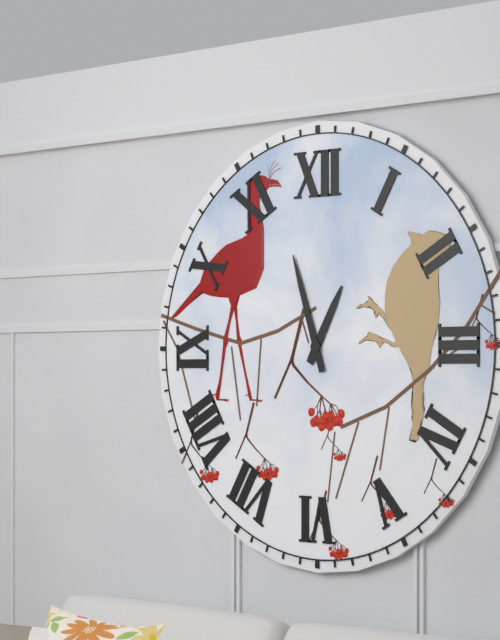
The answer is 12:57
